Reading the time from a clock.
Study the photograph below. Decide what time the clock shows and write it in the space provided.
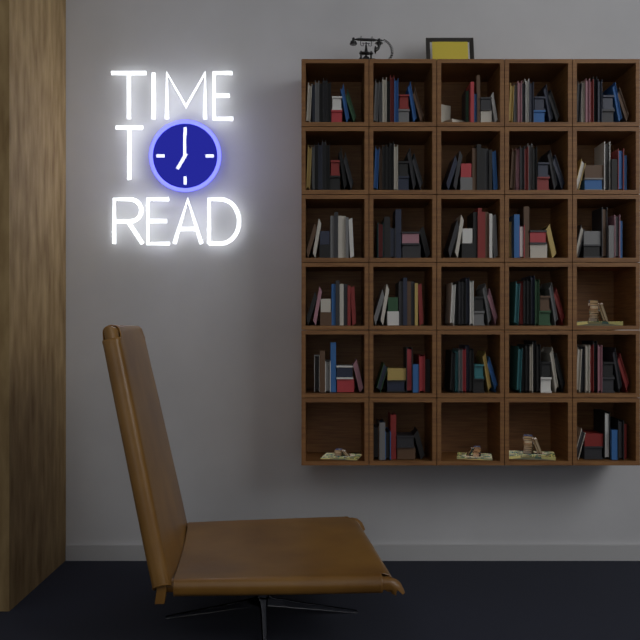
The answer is 7:00
